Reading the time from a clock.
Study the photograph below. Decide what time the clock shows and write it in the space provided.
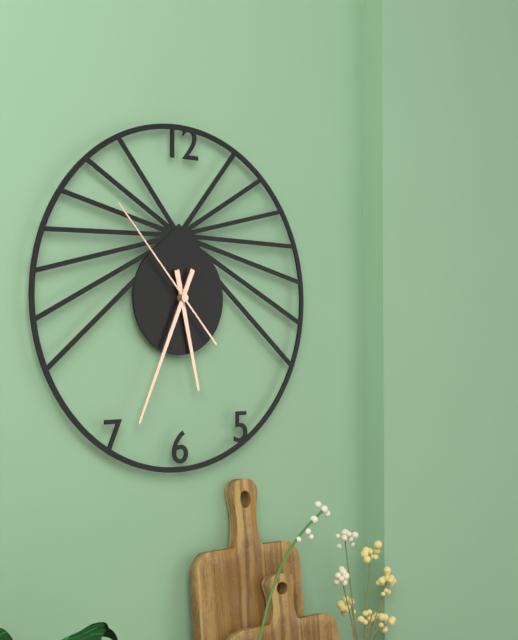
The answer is 5:34:53
